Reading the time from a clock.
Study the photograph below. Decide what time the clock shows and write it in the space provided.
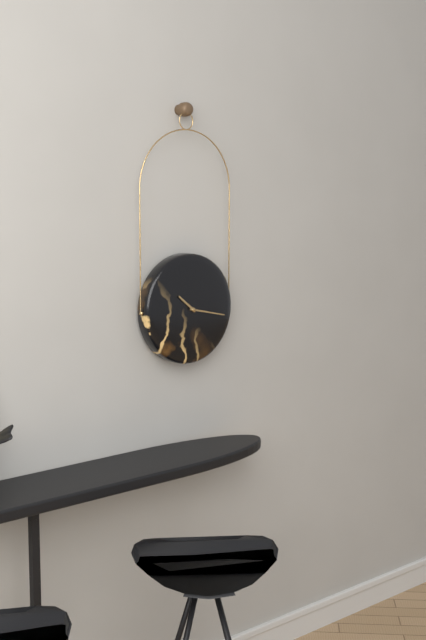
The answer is 10:17
